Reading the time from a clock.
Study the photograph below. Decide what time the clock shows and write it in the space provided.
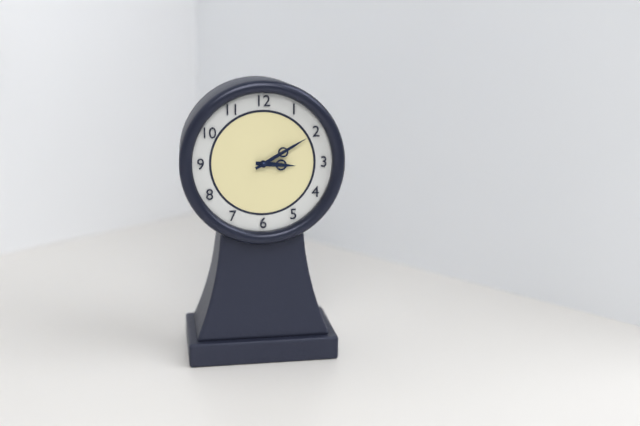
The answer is 3:10
